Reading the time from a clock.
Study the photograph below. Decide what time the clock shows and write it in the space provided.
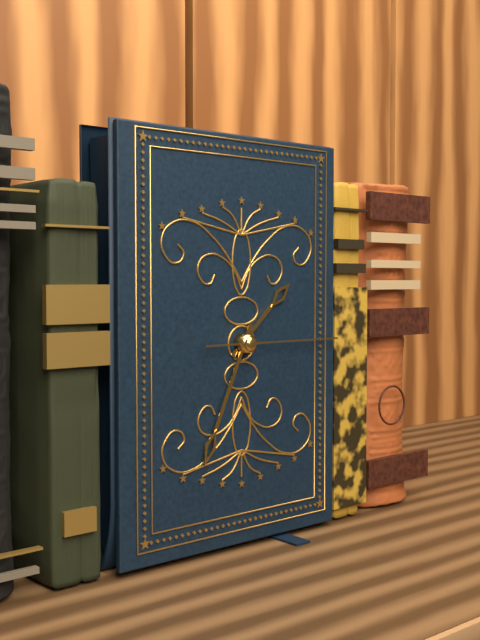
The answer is 1:34:15
